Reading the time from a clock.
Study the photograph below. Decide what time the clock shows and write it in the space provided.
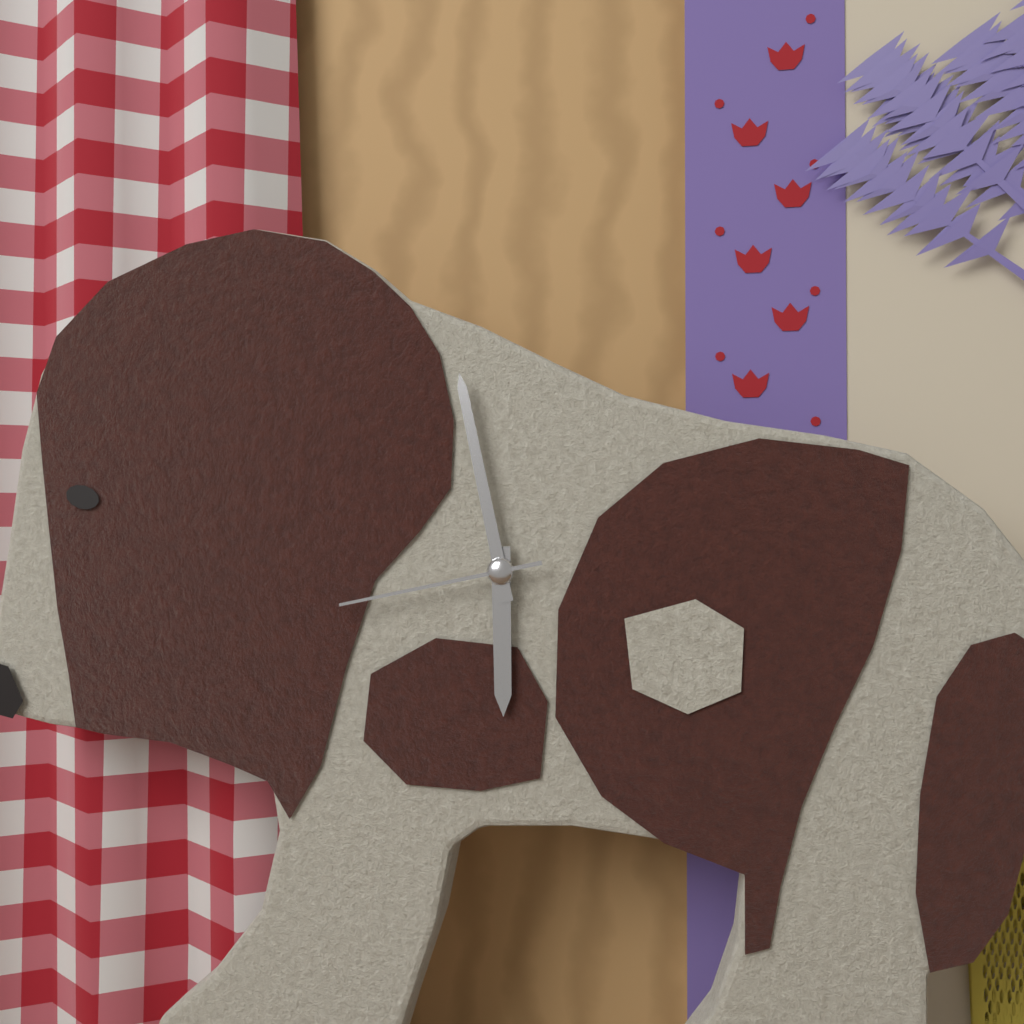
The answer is 5:58:43
